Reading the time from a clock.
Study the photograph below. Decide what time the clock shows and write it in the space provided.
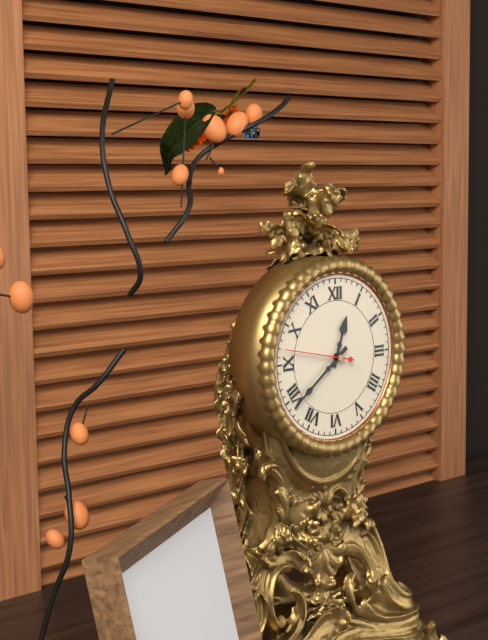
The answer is 12:39:47
